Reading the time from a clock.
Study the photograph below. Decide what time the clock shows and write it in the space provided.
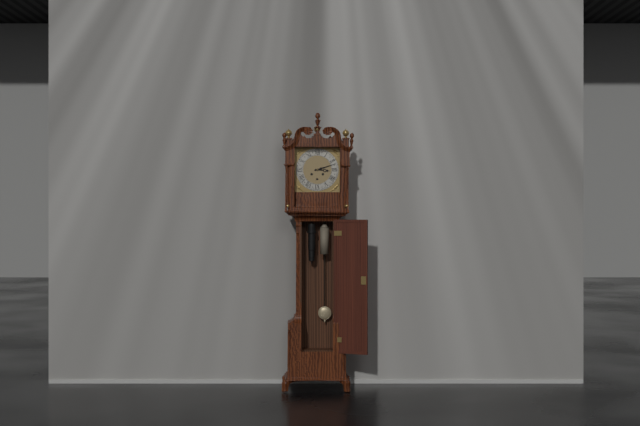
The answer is 3:12
